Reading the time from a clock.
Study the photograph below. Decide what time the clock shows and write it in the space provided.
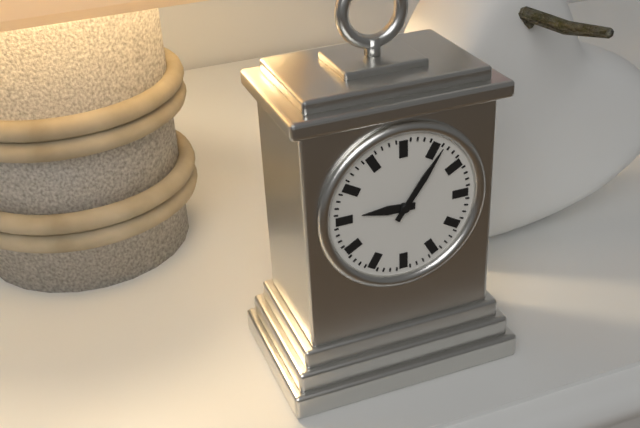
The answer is 9:06
